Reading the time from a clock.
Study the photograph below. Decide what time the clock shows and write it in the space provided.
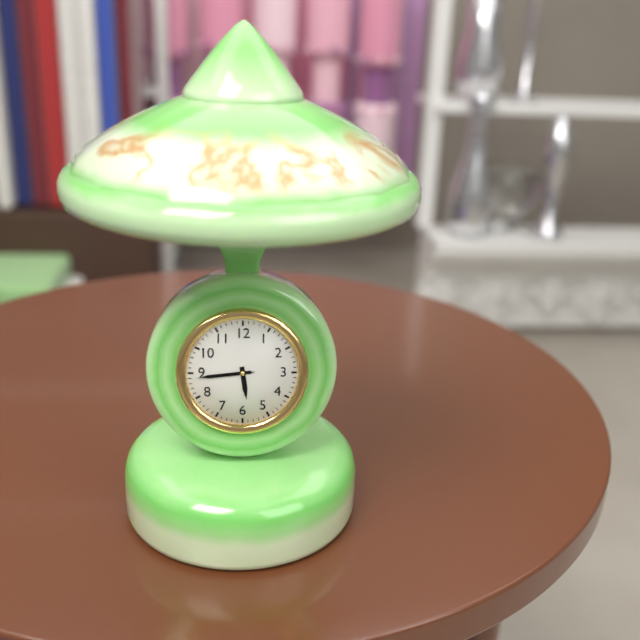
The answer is 5:44:44
